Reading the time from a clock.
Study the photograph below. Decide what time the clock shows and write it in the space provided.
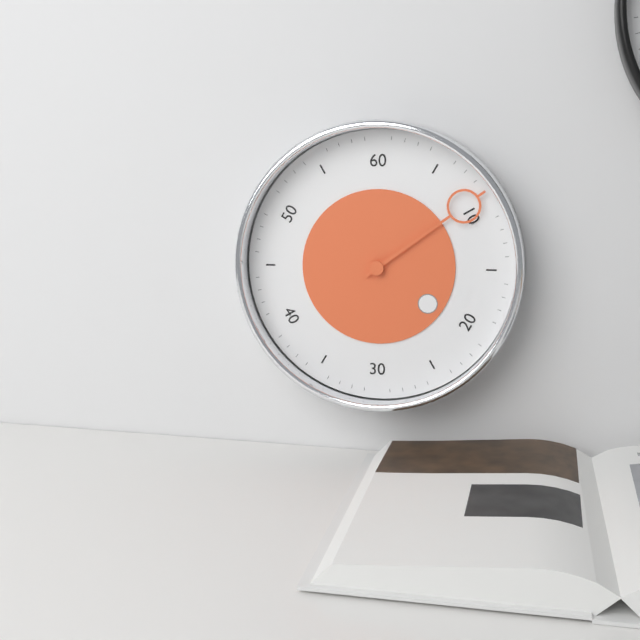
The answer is 4:09
